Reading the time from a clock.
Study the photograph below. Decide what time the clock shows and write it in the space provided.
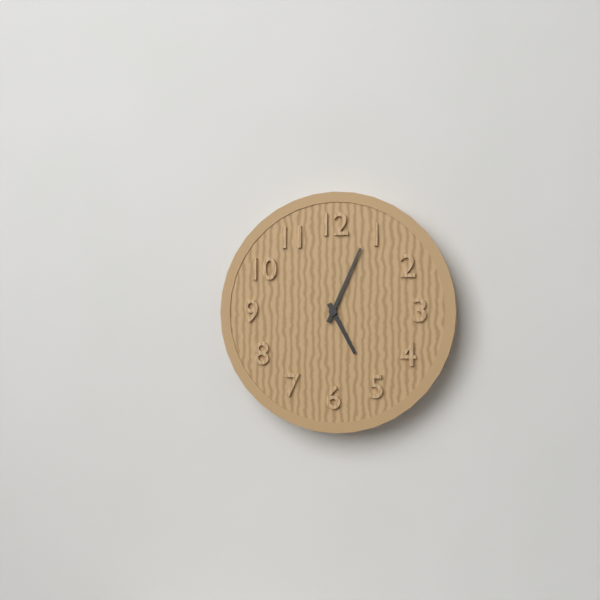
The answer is 5:04
